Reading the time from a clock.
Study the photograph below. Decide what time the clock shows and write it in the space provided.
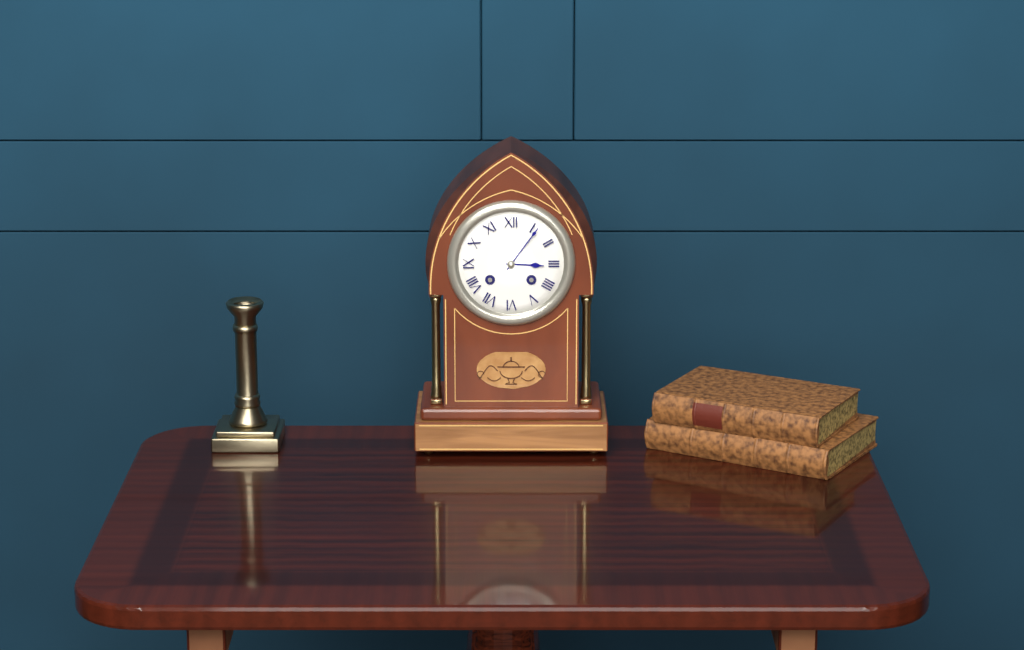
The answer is 3:06
